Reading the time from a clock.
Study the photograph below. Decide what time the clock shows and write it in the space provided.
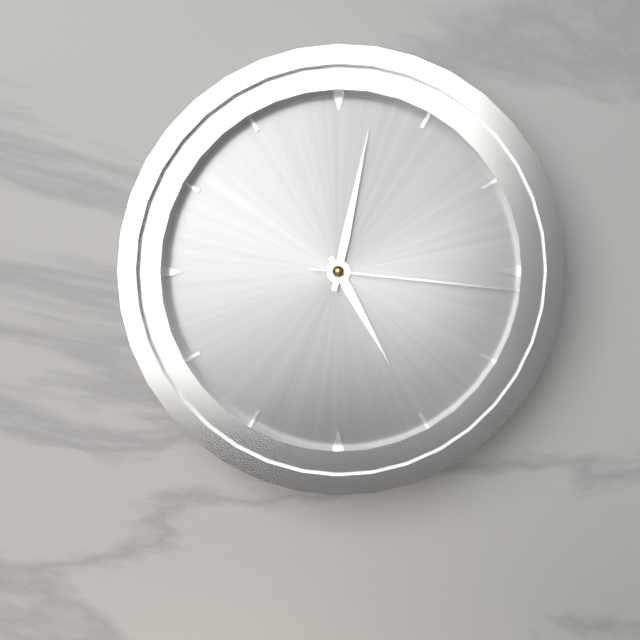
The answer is 5:02:16
